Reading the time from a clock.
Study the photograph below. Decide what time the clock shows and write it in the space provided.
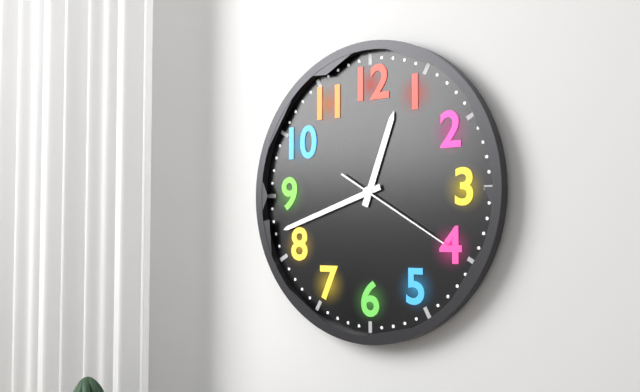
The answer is 12:42:20
